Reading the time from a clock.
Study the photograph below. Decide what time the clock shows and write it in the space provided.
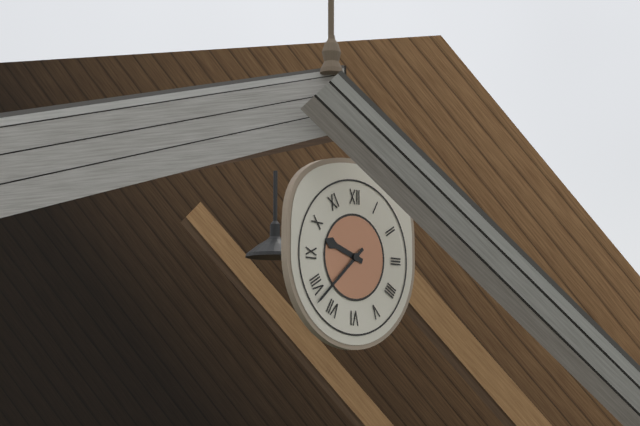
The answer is 9:38
